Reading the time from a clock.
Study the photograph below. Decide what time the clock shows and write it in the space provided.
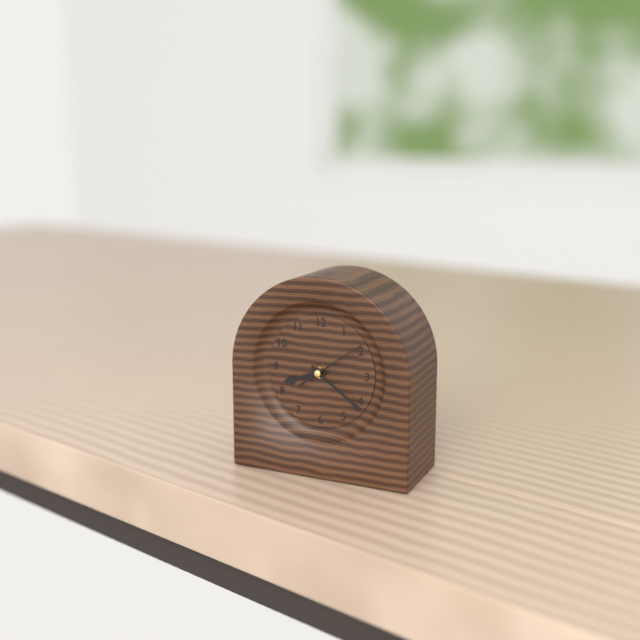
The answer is 8:21:09
